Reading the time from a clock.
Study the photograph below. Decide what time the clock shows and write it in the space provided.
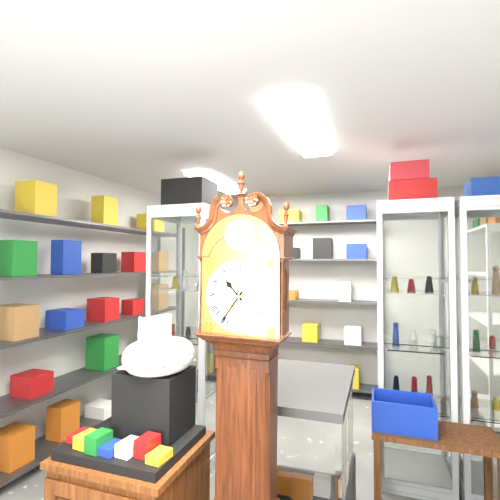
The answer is 10:36
